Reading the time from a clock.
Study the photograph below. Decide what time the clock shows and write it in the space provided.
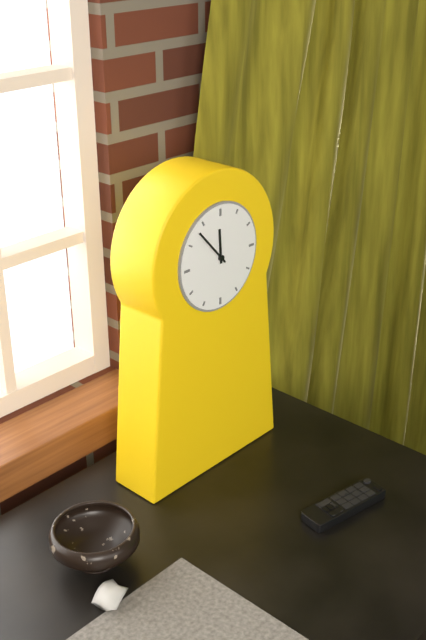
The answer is 11:53
